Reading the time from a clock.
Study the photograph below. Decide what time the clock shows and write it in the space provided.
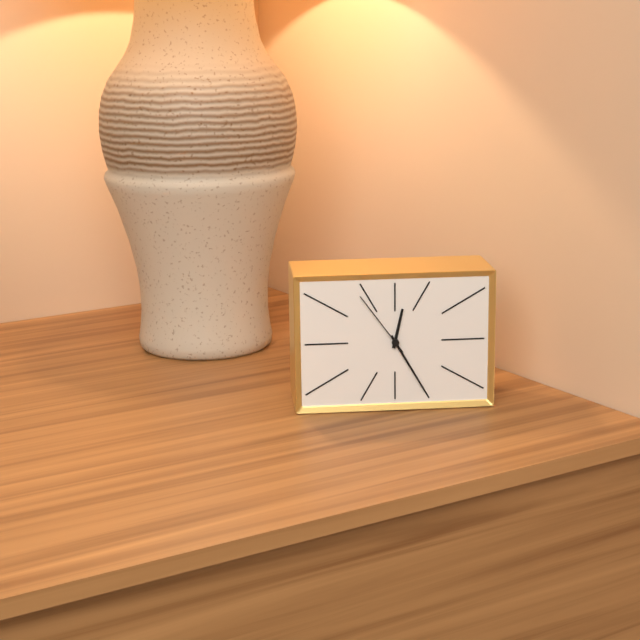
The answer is 12:25:54
